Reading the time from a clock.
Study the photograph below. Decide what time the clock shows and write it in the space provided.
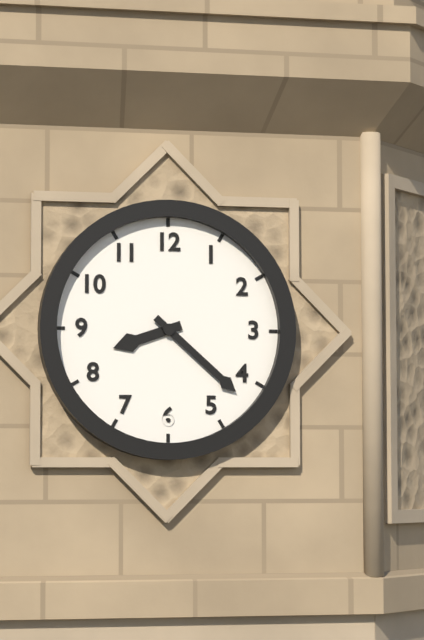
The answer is 8:22
